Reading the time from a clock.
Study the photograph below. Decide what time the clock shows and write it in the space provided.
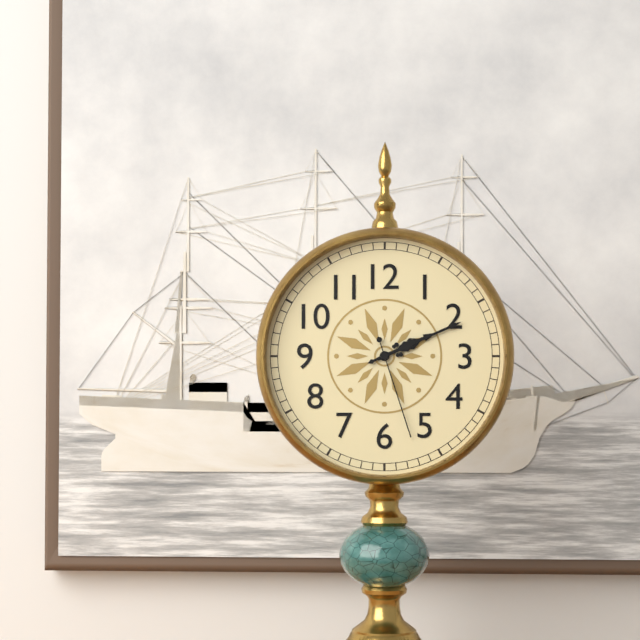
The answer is 2:11:27
